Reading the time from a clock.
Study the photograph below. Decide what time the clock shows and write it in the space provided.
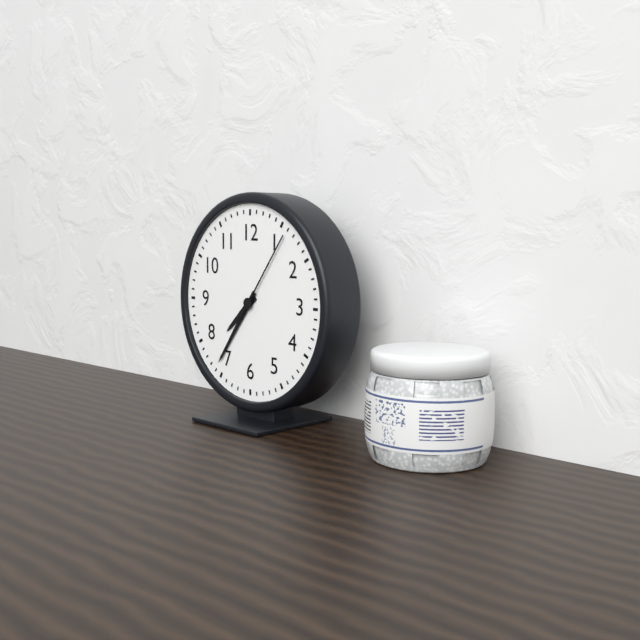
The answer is 7:36:06
